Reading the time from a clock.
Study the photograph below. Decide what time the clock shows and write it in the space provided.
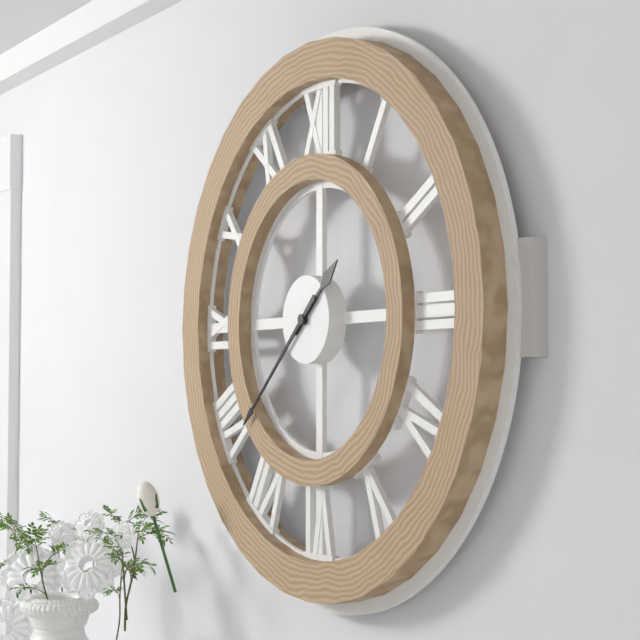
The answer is 1:38
